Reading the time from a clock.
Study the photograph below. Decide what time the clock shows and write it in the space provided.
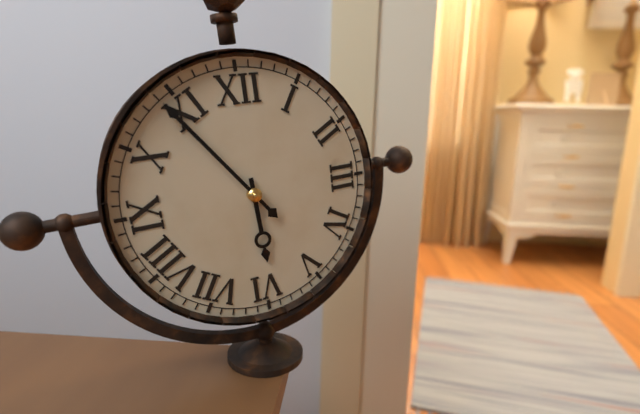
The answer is 5:54
